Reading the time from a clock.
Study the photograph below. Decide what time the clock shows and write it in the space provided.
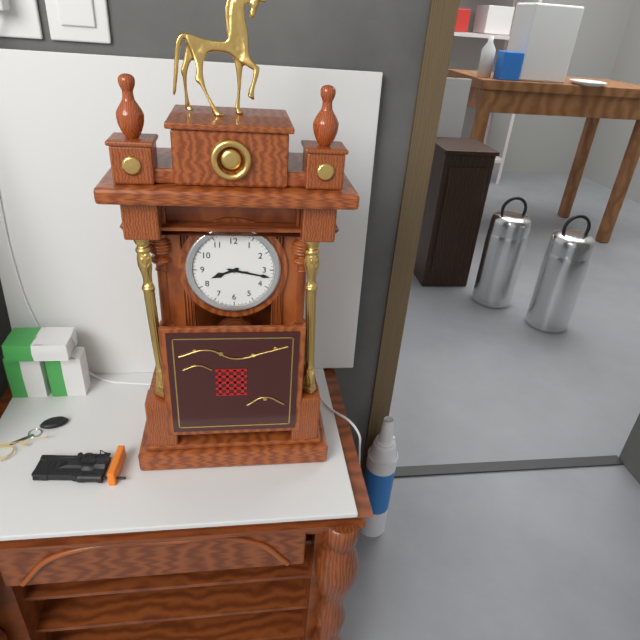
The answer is 8:17
